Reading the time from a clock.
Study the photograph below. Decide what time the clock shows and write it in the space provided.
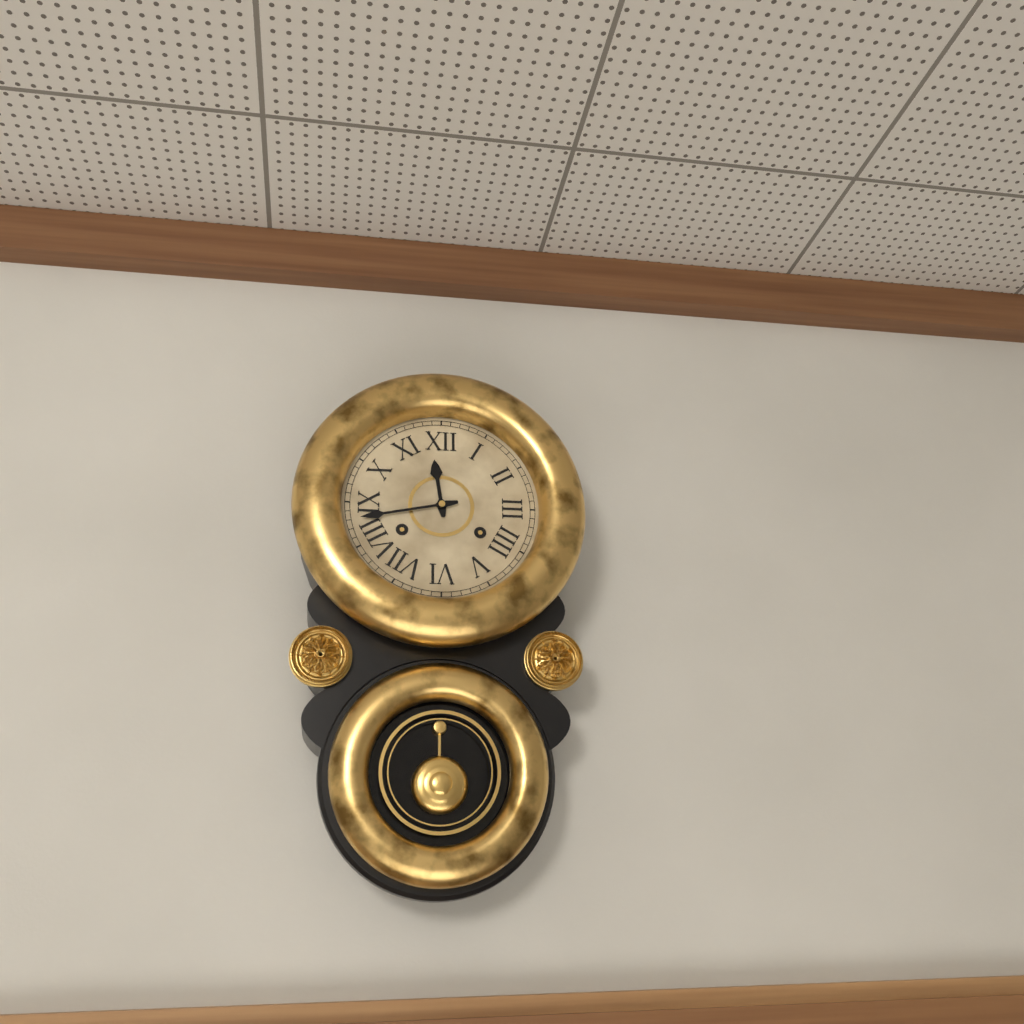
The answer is 11:43
